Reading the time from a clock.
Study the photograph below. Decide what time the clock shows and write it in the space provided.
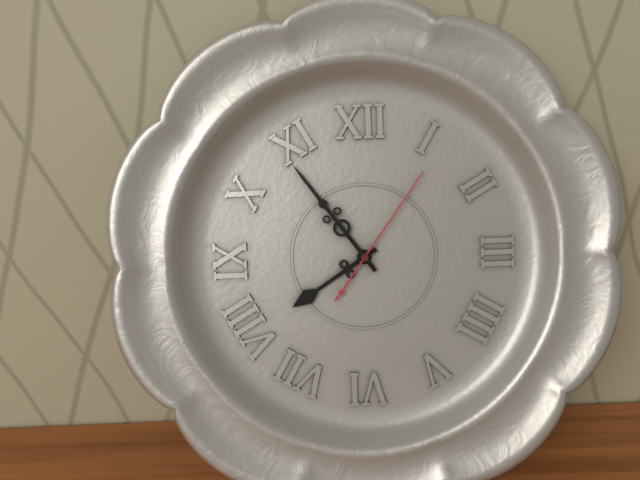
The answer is 7:54:06
